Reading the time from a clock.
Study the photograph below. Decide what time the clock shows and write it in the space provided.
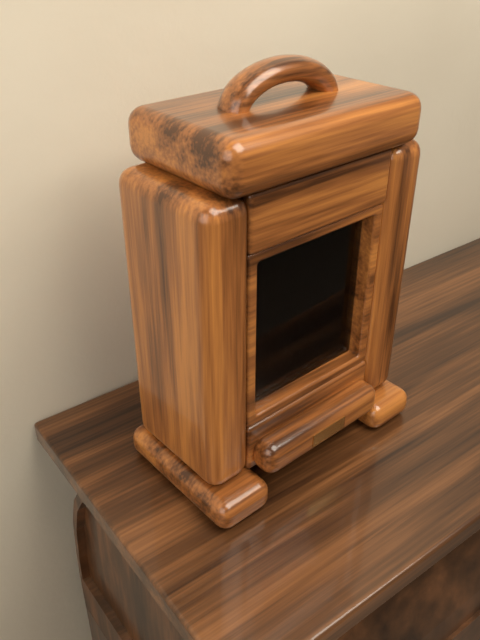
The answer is 12:07:43
